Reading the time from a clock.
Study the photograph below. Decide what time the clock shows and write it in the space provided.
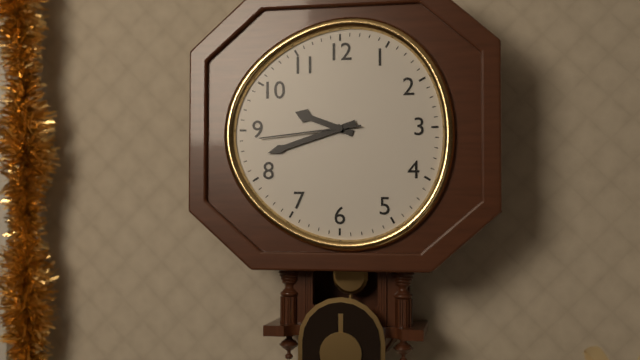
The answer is 9:42:44
